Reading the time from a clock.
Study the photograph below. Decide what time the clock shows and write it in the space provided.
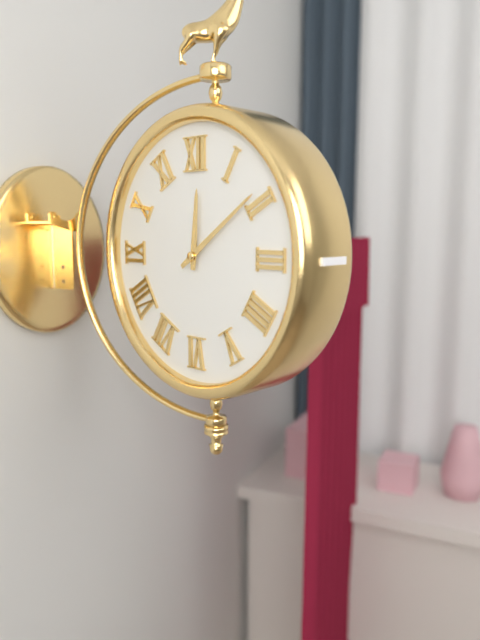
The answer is 12:09
